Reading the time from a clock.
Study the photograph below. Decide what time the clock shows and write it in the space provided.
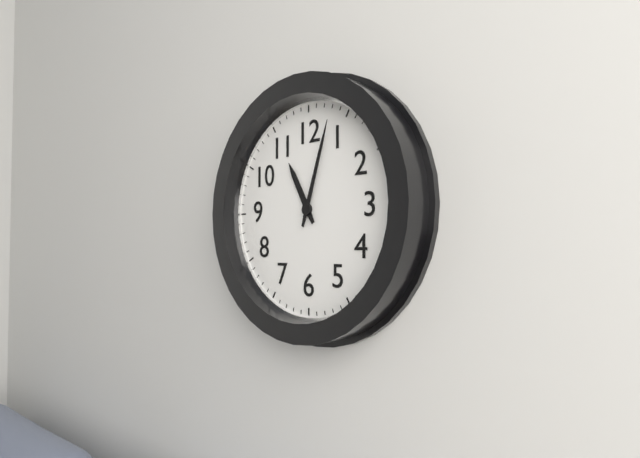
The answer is 11:03
